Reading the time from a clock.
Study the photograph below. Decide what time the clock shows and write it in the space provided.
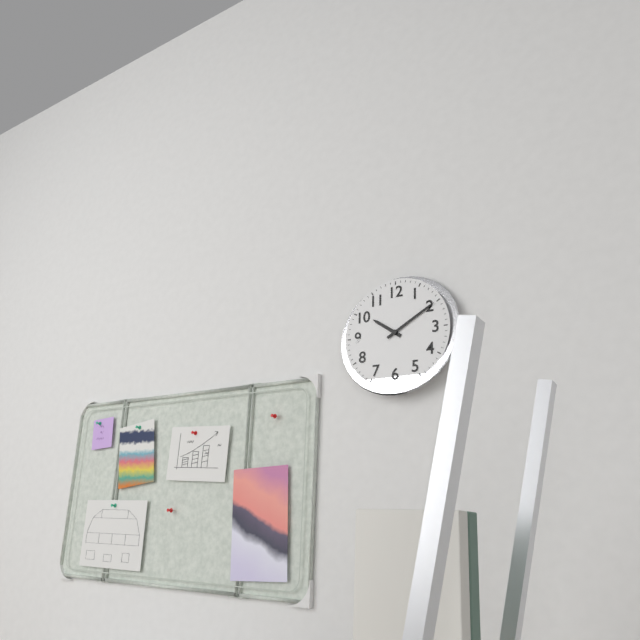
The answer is 10:10
